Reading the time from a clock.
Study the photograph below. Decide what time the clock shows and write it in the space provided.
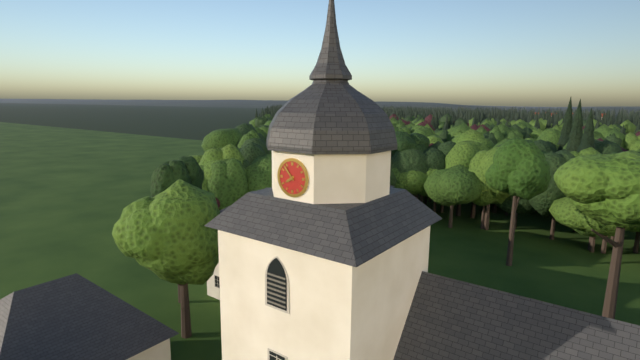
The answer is 7:53
